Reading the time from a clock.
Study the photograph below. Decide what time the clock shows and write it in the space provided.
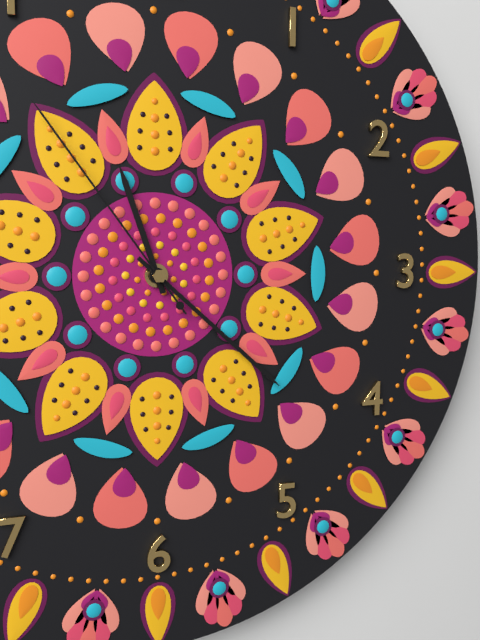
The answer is 11:22:54
